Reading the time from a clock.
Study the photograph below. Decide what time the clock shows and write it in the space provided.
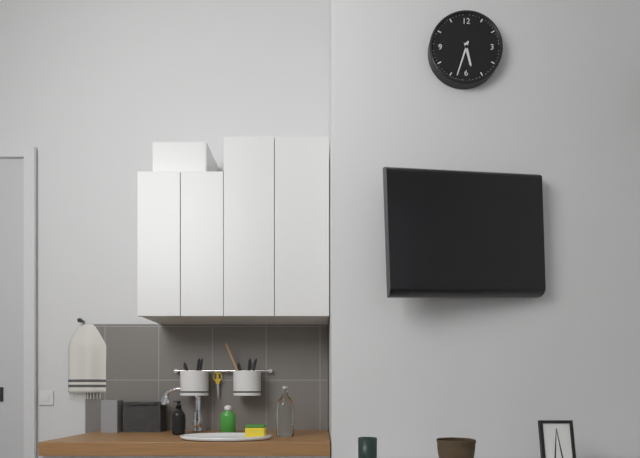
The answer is 5:33
